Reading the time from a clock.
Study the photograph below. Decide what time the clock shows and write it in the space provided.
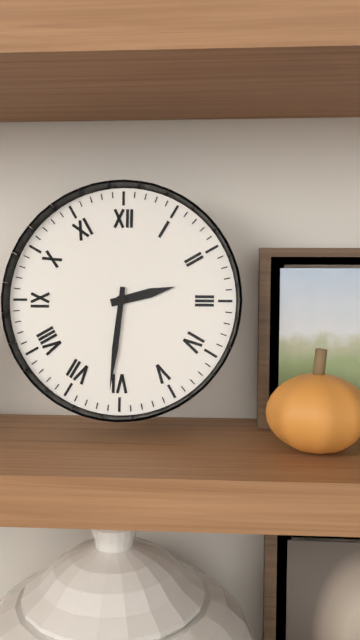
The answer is 2:31
